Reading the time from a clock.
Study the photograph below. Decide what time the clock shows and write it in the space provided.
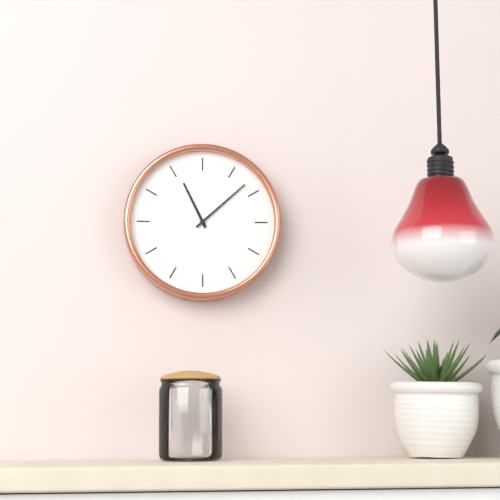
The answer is 11:08
